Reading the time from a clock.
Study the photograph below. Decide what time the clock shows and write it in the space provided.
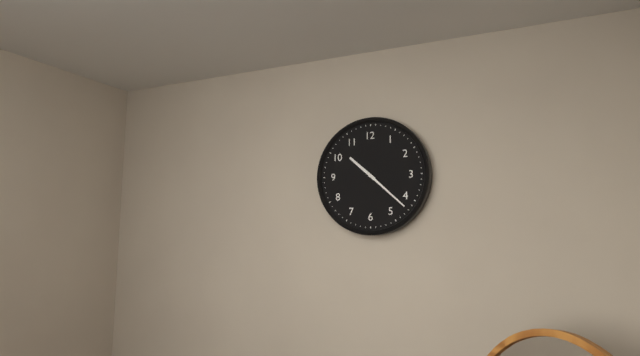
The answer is 10:22
